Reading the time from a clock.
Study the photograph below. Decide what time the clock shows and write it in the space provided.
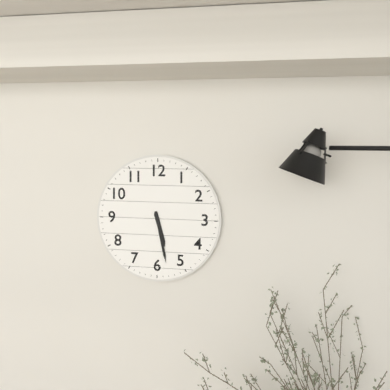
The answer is 5:28
